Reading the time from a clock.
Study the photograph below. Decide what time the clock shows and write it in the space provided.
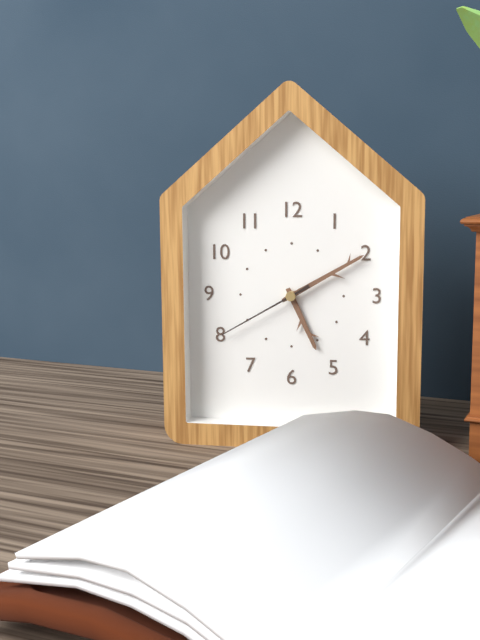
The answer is 5:10:40
